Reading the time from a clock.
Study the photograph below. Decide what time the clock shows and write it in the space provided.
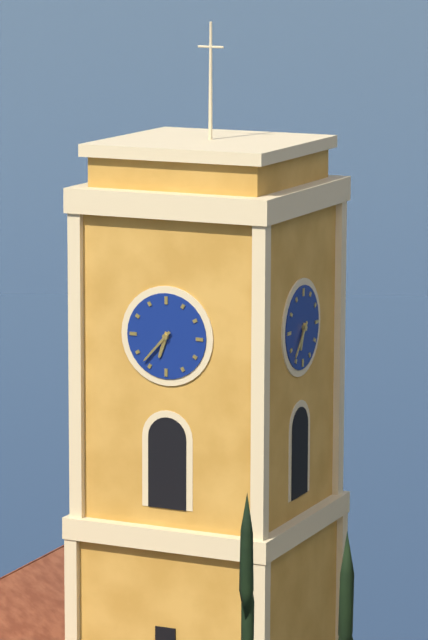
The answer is 6:37
